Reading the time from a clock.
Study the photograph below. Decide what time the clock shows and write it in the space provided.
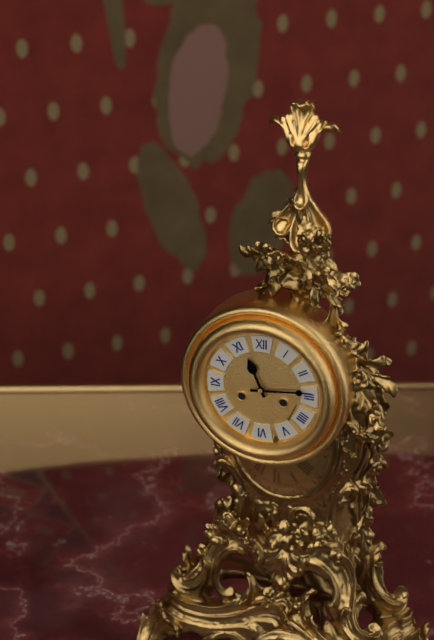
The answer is 11:14
